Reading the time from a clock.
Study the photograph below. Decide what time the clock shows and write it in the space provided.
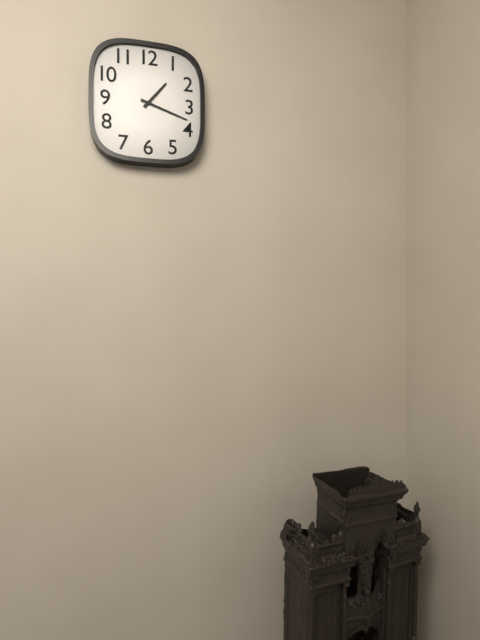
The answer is 1:18
